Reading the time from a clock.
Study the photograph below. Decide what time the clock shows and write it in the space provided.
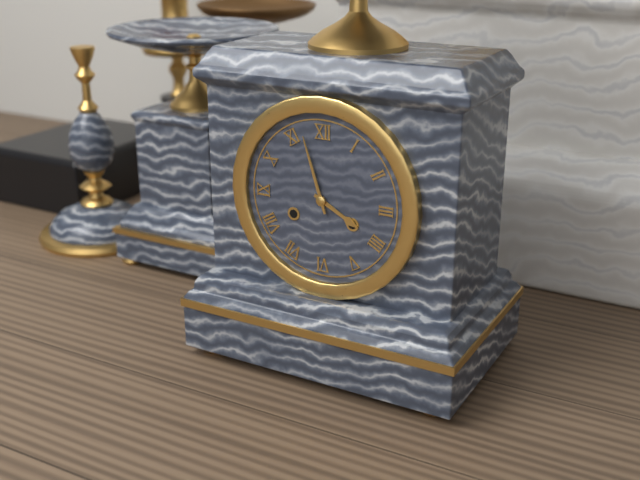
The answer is 3:57
